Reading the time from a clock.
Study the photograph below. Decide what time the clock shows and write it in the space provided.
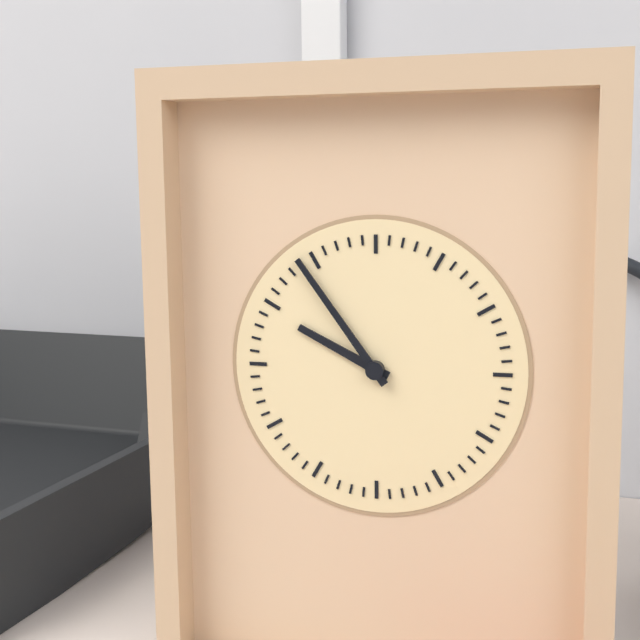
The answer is 9:54
